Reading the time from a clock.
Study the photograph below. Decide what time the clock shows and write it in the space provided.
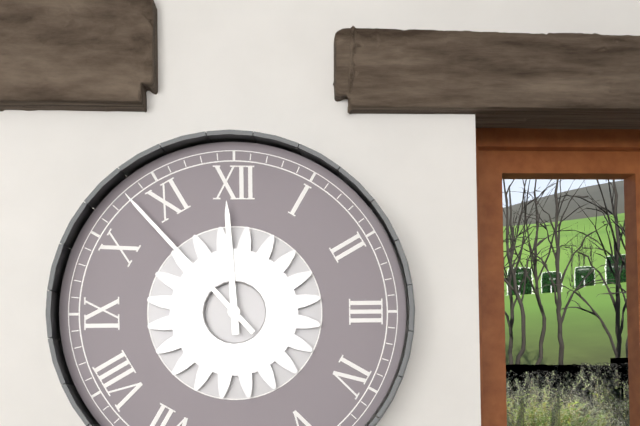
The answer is 11:53
